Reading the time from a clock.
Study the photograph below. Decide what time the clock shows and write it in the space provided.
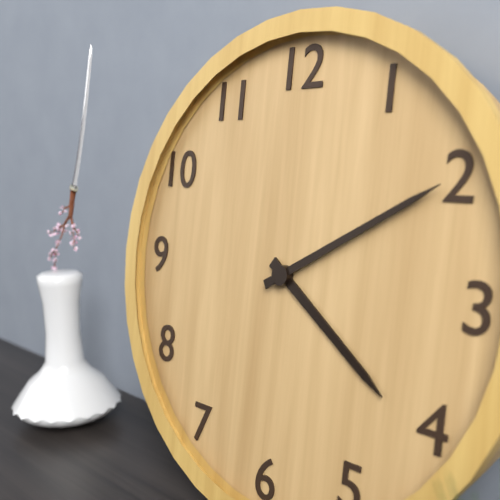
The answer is 4:10
